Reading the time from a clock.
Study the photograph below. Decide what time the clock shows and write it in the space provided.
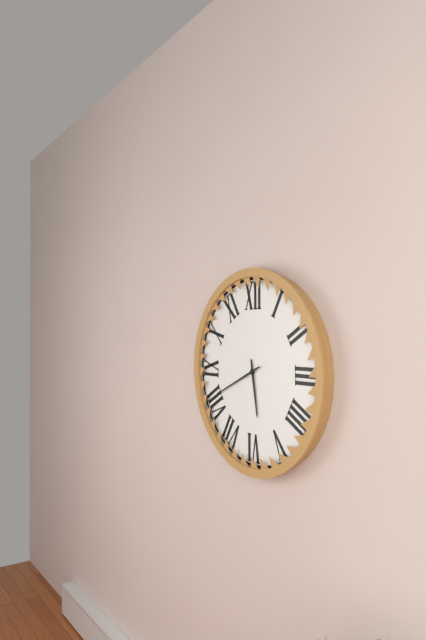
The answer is 5:41
